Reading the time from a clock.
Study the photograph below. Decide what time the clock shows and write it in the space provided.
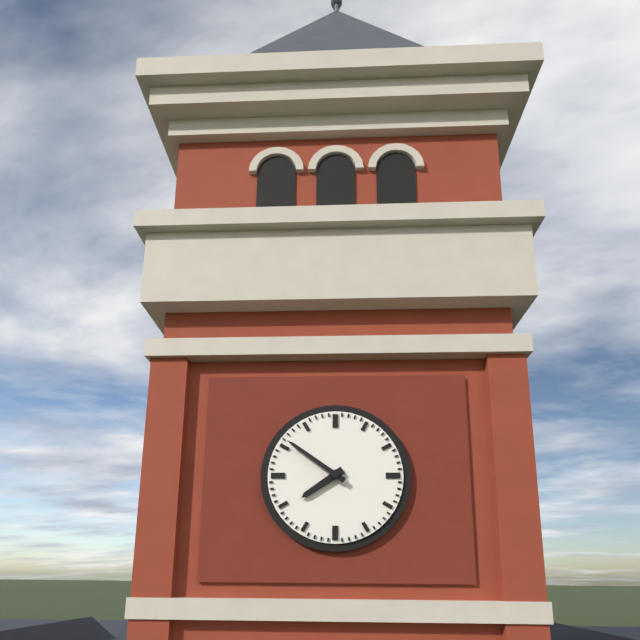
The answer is 7:51
